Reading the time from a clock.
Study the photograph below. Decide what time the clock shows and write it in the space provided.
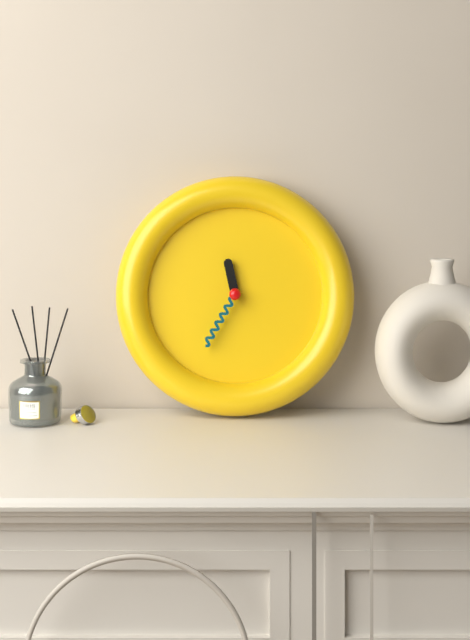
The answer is 11:35
